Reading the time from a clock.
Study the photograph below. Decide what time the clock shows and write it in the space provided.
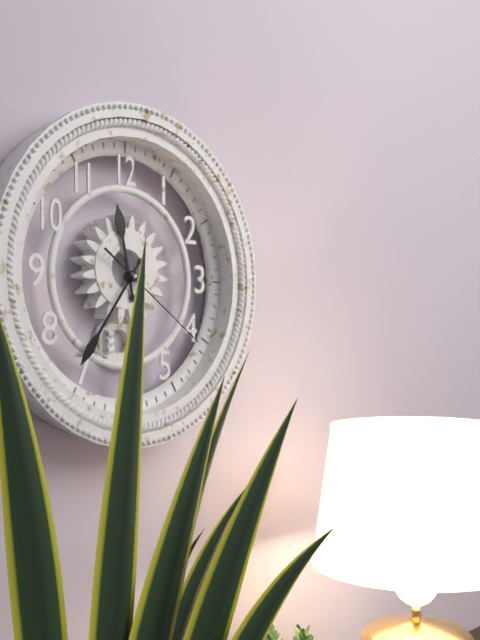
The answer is 11:36:21
